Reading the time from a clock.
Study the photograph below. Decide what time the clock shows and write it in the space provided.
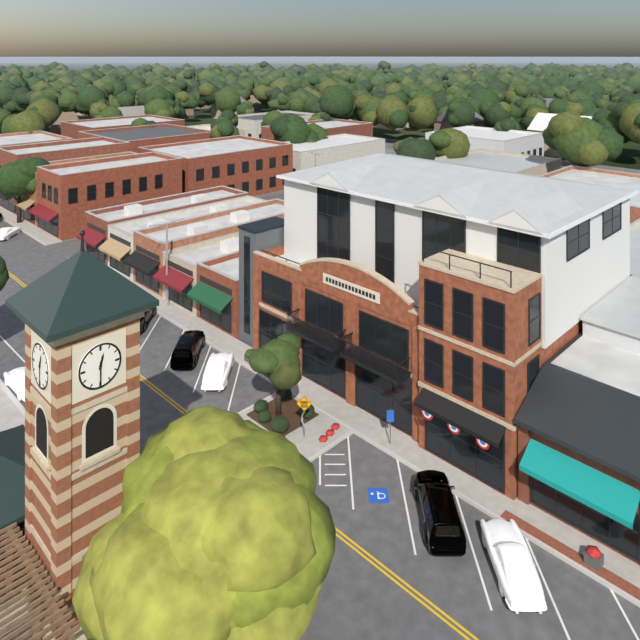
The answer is 12:30
